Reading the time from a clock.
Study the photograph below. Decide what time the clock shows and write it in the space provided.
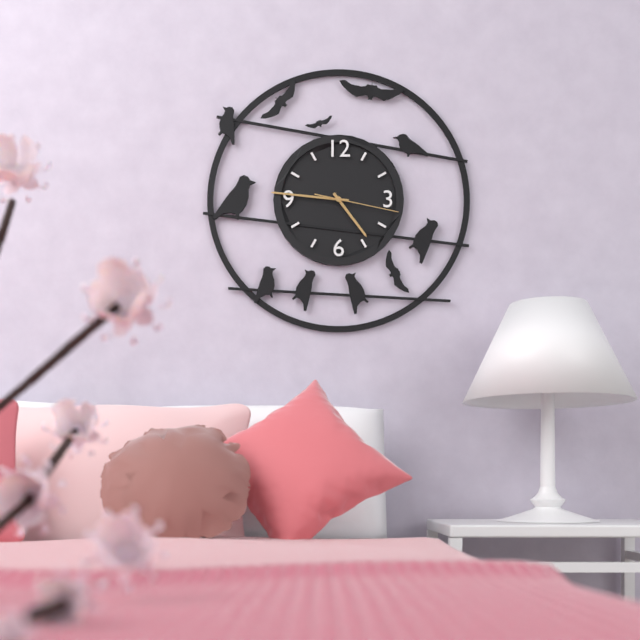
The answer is 4:46:17
